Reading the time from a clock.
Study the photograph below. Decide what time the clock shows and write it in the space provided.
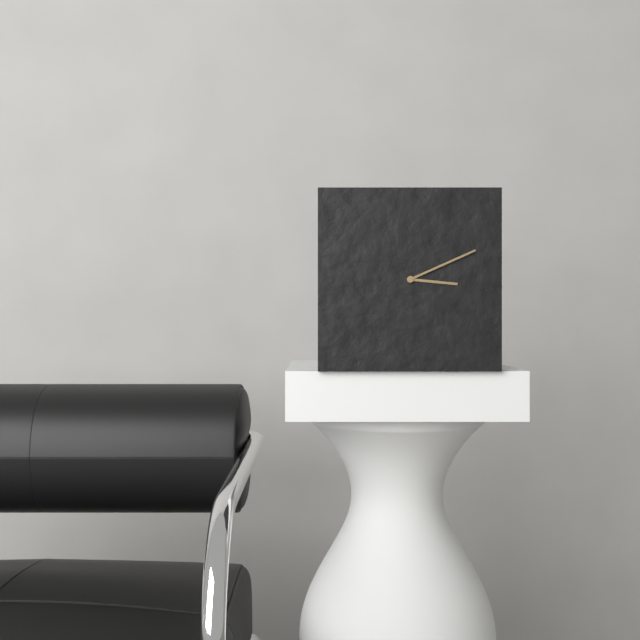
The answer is 3:11
